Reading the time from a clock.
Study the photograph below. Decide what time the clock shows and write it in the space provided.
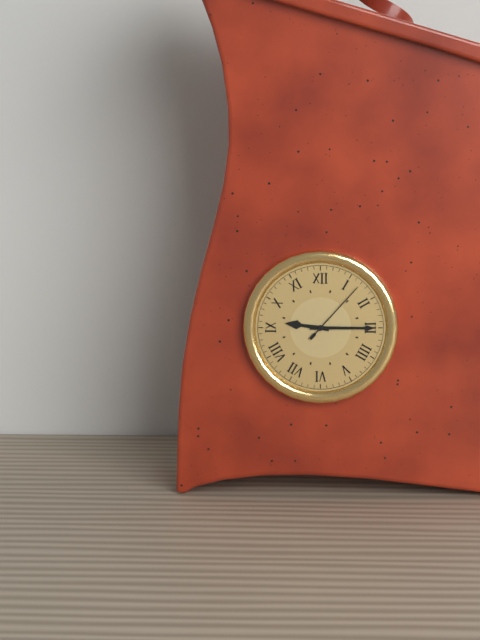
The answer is 9:15:07
